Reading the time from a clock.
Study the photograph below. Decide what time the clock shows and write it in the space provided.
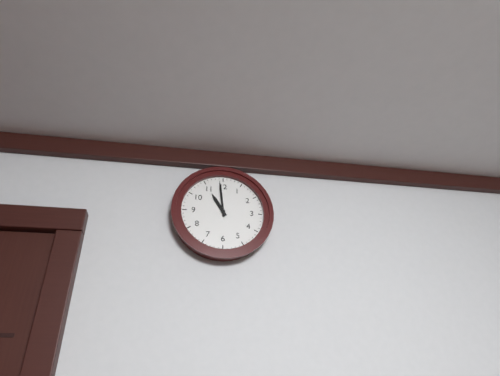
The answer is 10:59
